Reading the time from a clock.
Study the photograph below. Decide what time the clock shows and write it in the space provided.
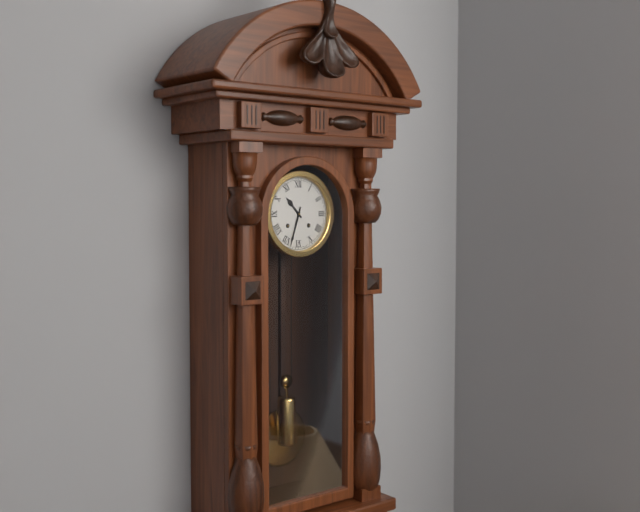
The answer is 10:33
